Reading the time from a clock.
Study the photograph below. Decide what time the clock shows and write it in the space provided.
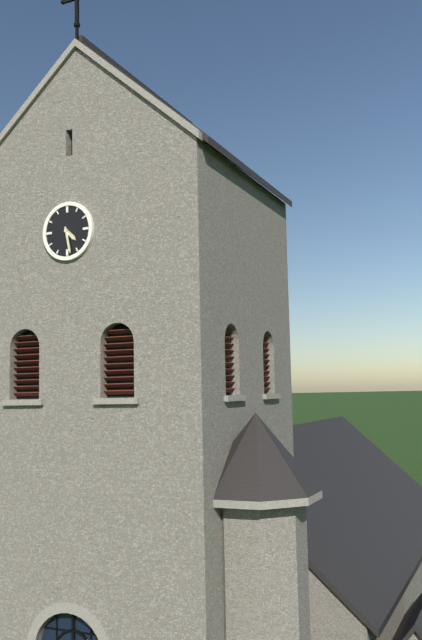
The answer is 4:28
